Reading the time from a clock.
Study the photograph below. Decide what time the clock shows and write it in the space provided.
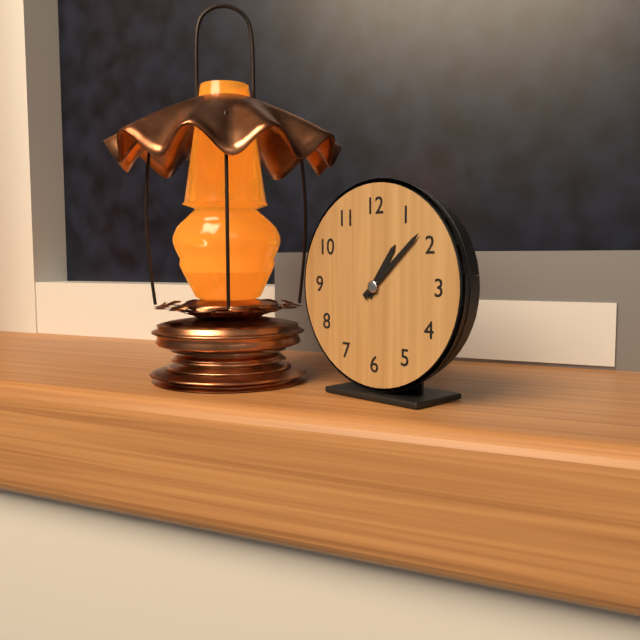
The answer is 1:08
